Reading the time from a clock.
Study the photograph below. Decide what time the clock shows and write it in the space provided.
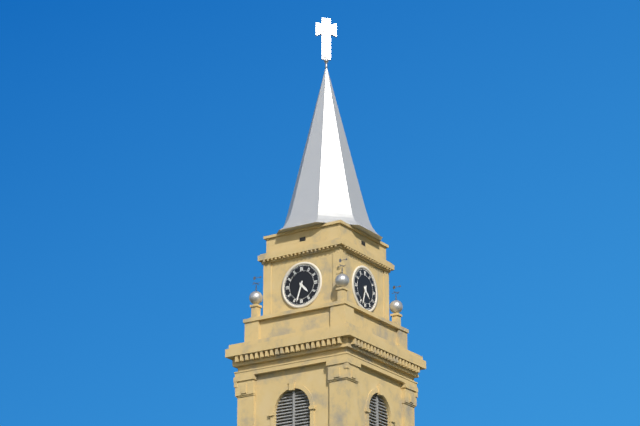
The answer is 4:33
